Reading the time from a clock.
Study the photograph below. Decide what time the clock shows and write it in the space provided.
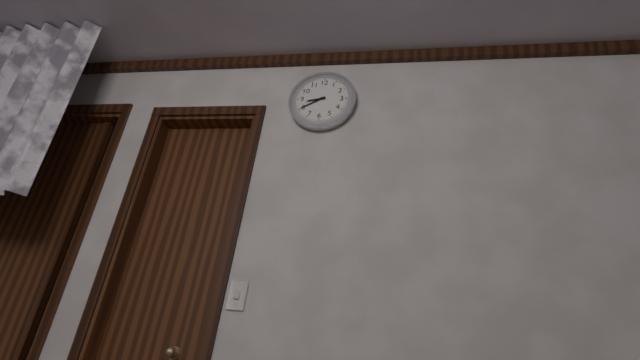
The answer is 8:40
